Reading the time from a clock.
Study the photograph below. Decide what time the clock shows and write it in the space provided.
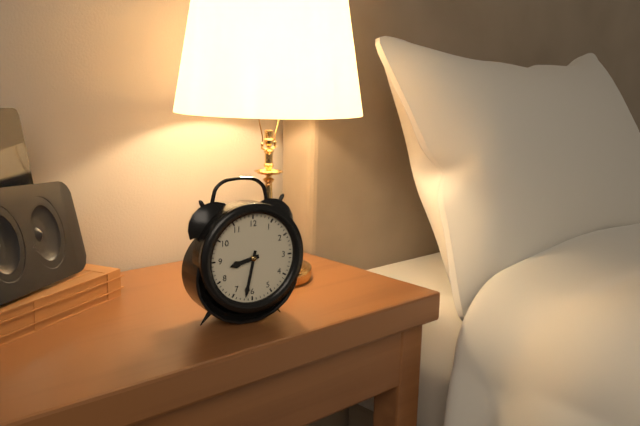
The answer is 8:32
